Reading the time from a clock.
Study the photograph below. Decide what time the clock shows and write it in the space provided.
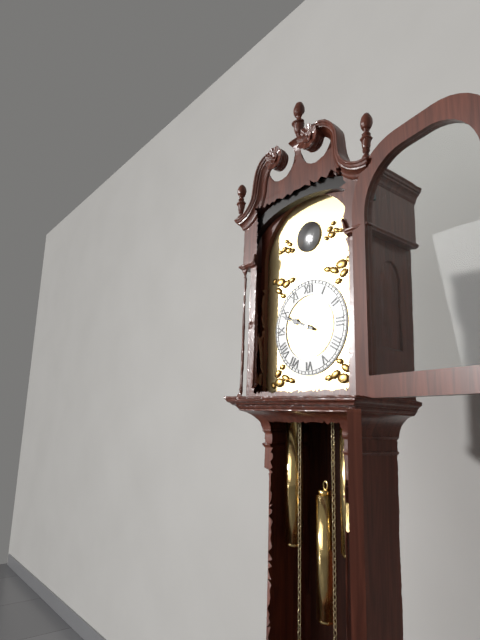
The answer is 9:49
